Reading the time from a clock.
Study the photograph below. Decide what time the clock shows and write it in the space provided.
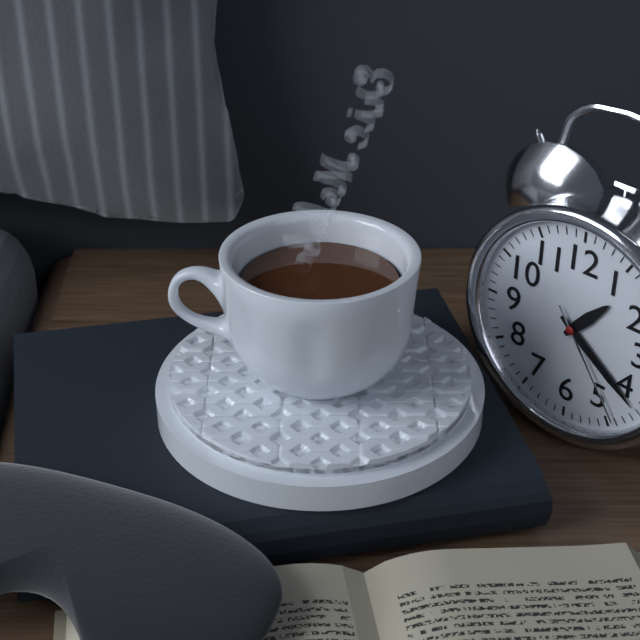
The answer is 1:21:24
